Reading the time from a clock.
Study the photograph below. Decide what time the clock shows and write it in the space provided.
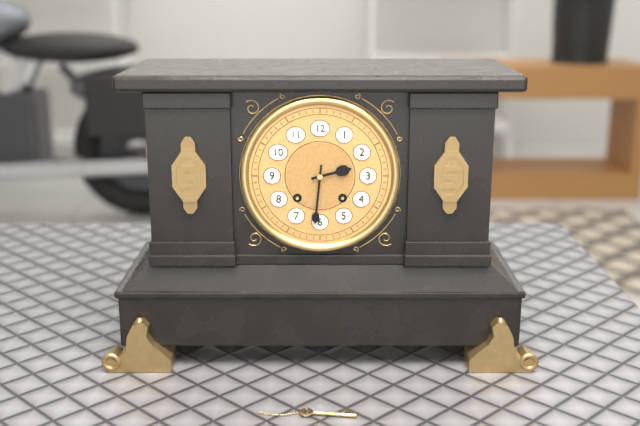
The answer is 2:31
